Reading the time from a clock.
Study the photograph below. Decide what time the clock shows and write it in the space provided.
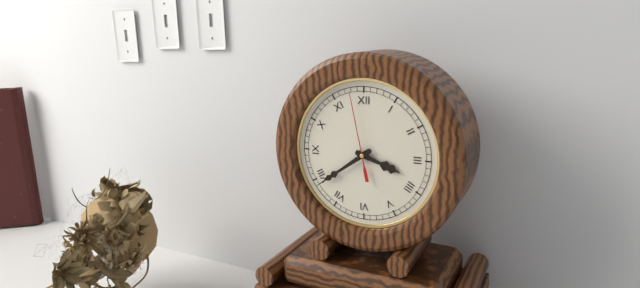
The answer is 3:39:58
